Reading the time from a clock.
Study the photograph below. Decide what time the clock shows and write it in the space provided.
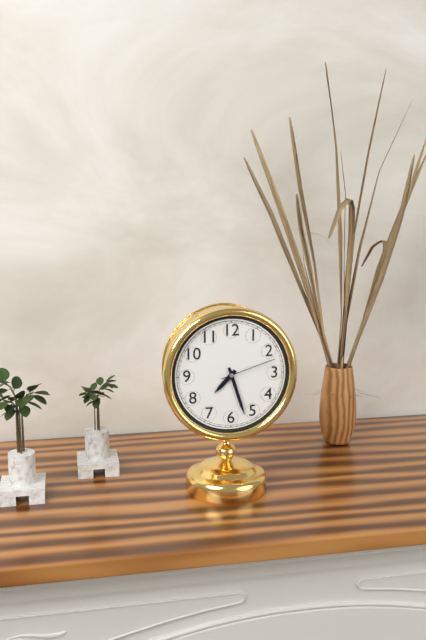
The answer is 7:27:12
